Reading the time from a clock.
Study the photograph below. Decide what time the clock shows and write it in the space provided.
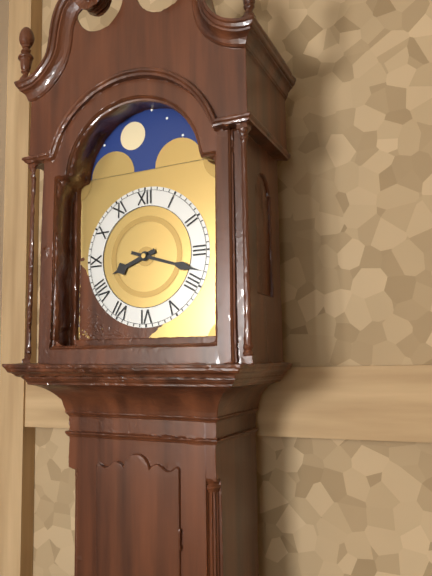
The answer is 8:18
